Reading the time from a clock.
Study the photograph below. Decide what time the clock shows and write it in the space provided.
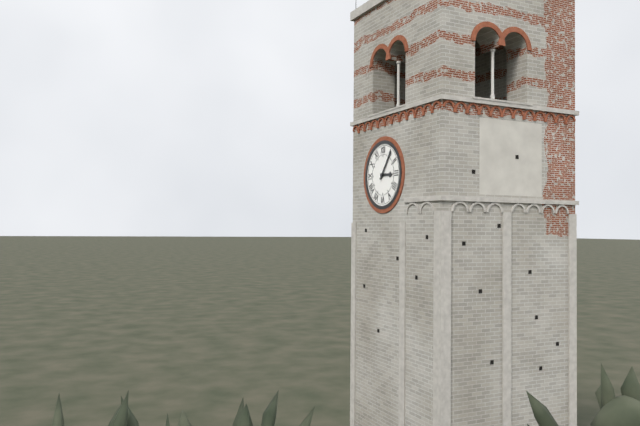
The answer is 3:06
